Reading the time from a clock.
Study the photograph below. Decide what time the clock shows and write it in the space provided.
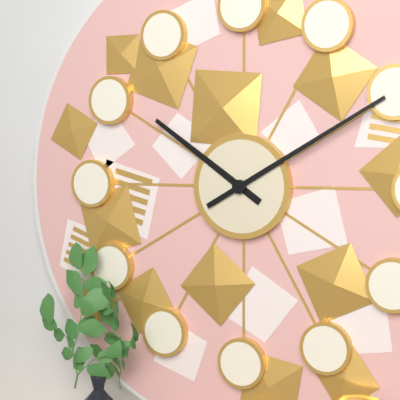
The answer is 10:10
